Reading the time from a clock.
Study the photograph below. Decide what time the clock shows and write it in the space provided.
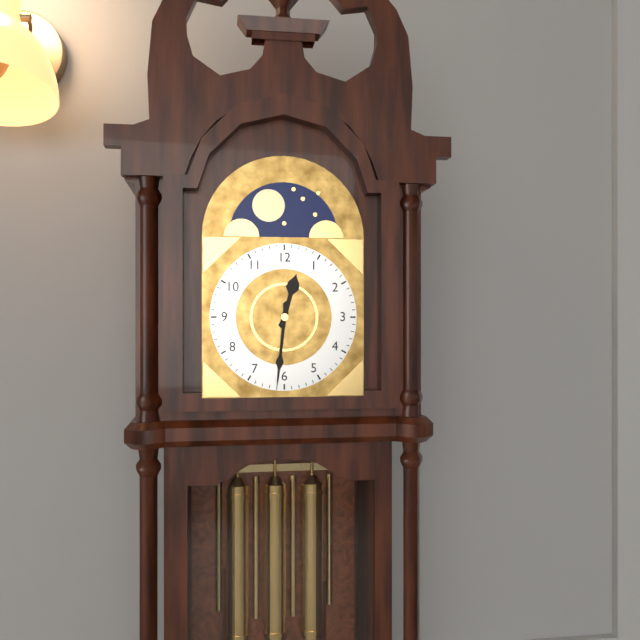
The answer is 12:31
